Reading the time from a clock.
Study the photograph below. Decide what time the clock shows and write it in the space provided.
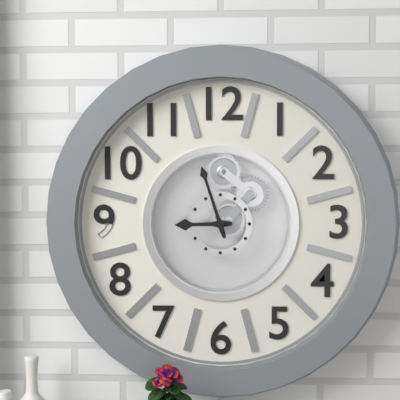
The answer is 8:57
